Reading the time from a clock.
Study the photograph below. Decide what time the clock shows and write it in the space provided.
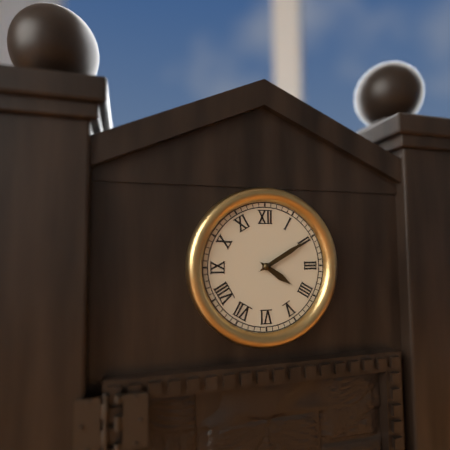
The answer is 4:10
